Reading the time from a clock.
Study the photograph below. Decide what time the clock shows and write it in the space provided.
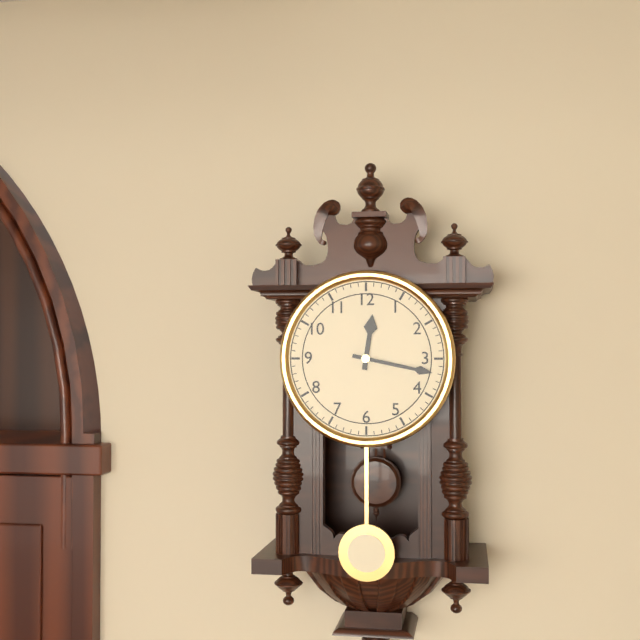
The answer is 12:17
